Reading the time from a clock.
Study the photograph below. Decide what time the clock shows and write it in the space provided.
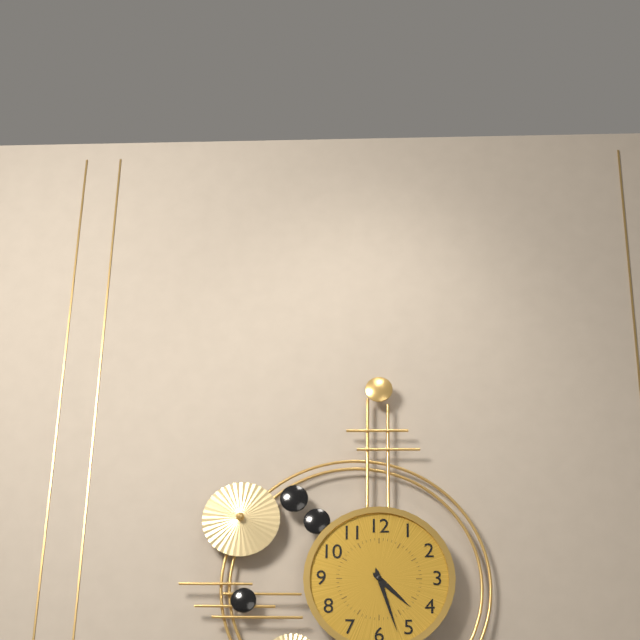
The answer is 4:27
